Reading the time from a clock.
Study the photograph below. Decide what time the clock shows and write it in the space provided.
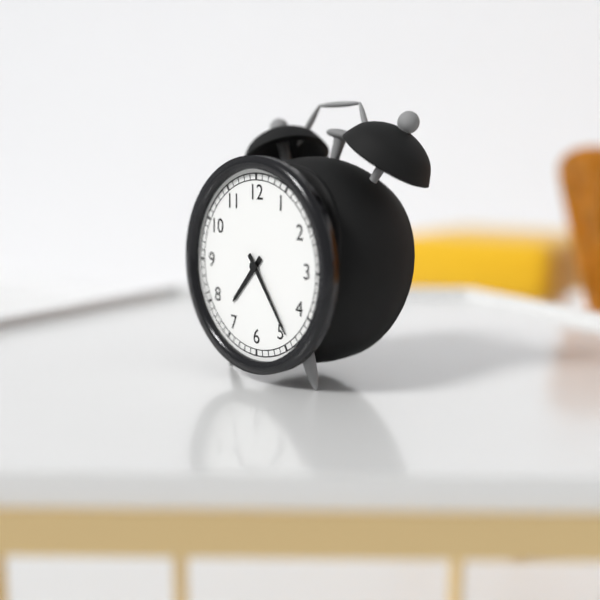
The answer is 7:24
